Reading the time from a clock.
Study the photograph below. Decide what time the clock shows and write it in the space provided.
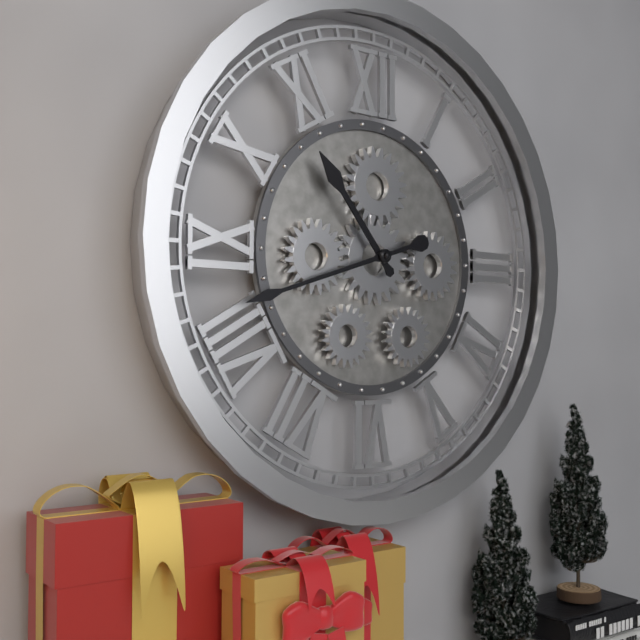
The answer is 10:42
